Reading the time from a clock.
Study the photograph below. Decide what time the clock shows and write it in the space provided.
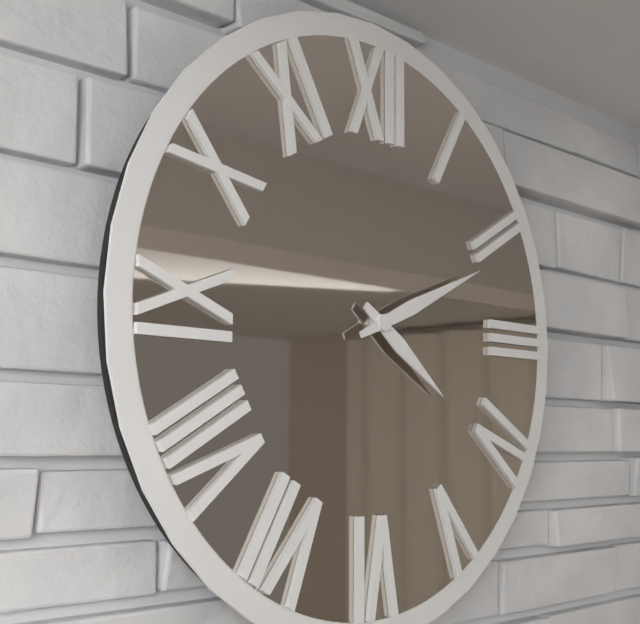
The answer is 4:11
